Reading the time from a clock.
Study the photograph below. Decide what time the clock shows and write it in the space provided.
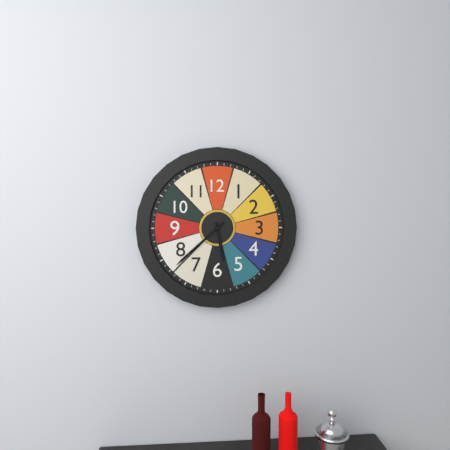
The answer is 5:38
